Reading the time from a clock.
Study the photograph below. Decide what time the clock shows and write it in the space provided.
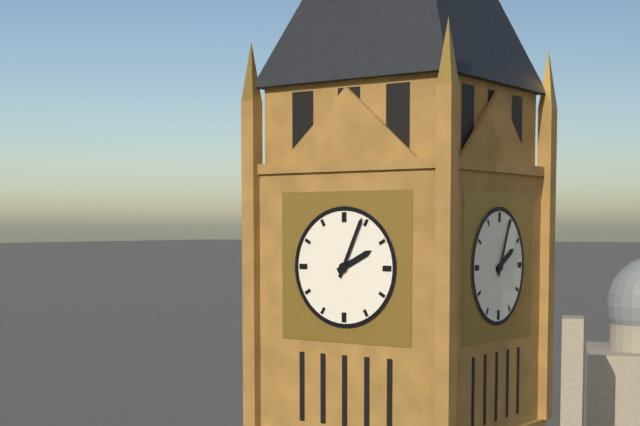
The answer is 2:04
